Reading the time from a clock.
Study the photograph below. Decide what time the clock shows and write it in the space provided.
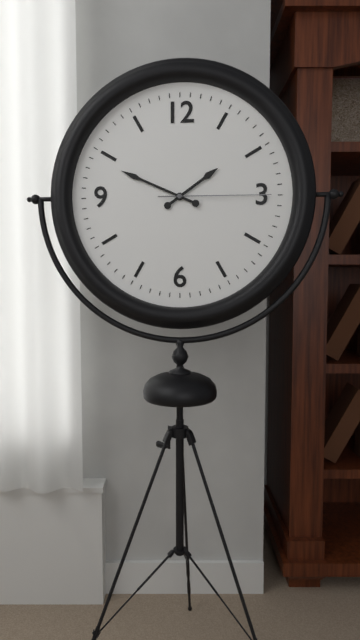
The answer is 1:49:15
